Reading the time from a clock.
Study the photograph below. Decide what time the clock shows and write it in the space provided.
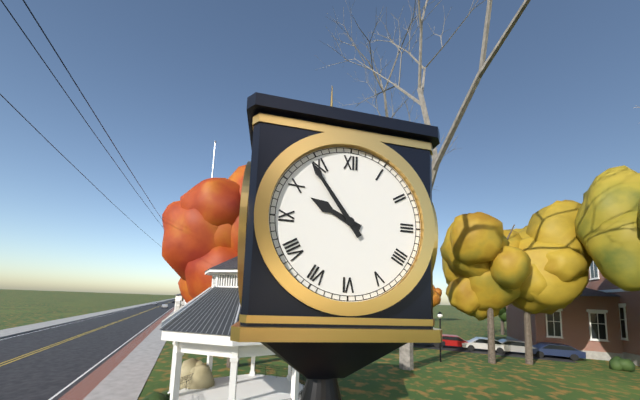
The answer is 9:54
